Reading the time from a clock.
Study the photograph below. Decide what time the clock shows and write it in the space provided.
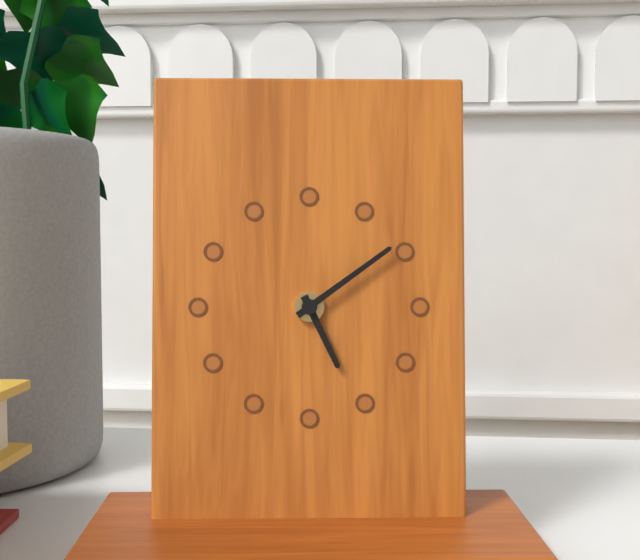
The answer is 5:09
